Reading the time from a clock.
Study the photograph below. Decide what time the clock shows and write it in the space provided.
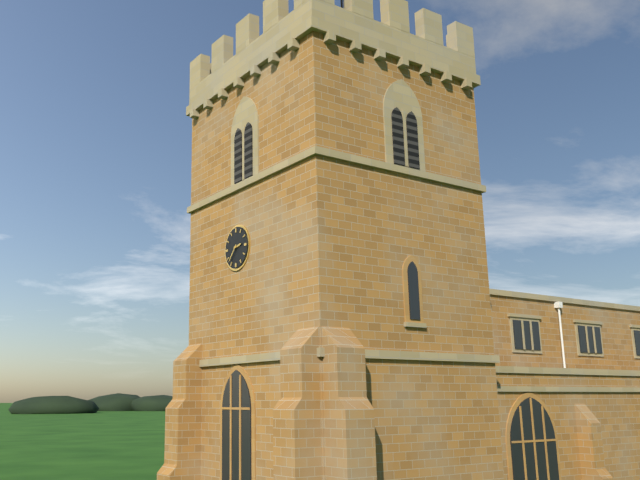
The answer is 2:37
